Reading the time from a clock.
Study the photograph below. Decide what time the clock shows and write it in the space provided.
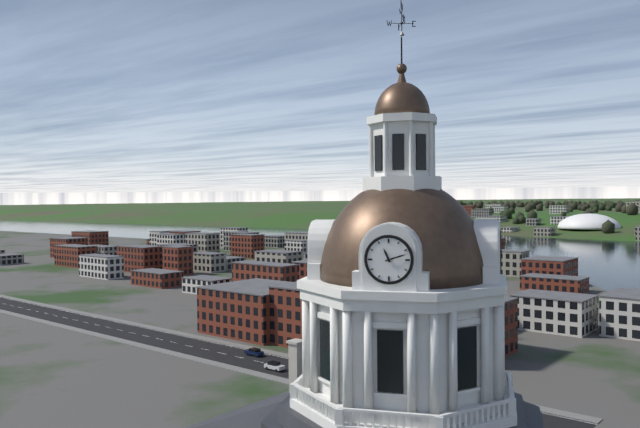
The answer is 11:12
